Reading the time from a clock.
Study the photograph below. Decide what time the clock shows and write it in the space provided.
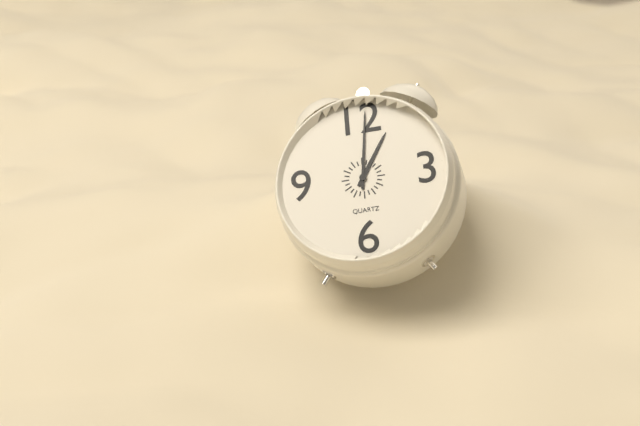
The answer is 1:01
